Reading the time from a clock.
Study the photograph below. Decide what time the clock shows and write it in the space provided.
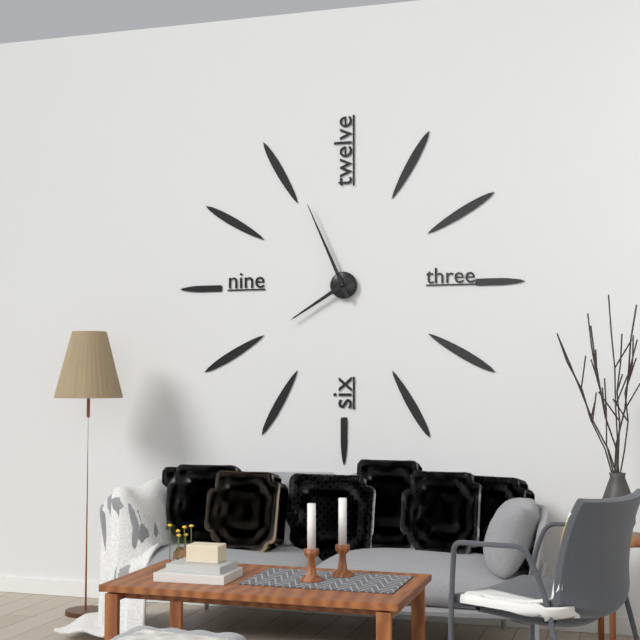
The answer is 7:56
